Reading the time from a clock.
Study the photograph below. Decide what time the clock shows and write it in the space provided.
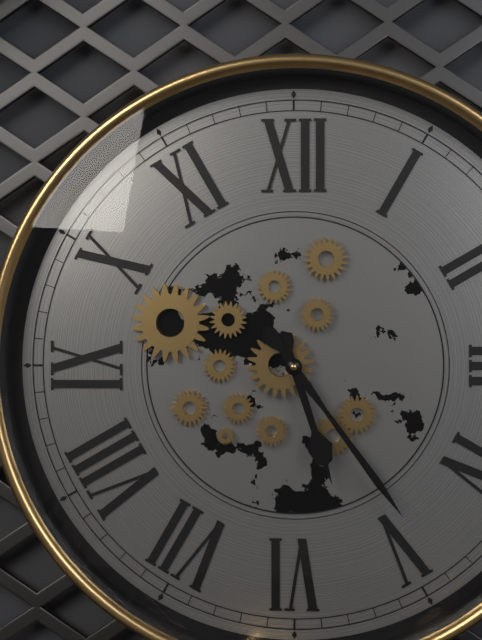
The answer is 5:24
